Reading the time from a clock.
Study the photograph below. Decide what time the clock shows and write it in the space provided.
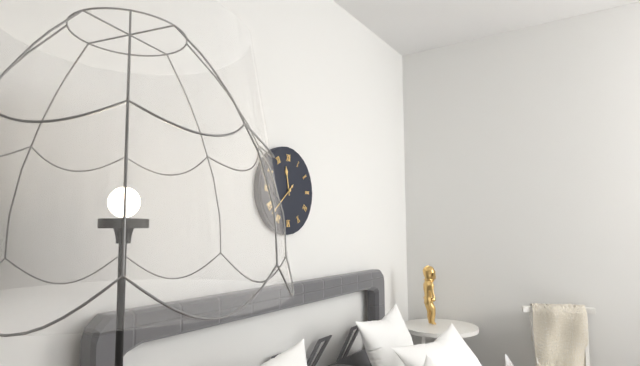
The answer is 11:38
